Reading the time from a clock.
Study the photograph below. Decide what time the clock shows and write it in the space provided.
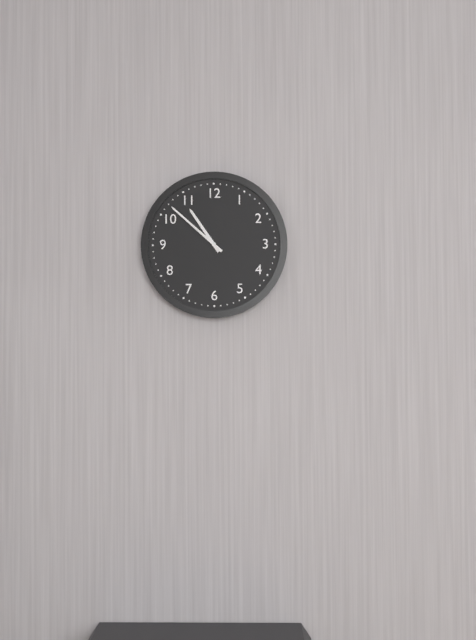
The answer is 10:52
